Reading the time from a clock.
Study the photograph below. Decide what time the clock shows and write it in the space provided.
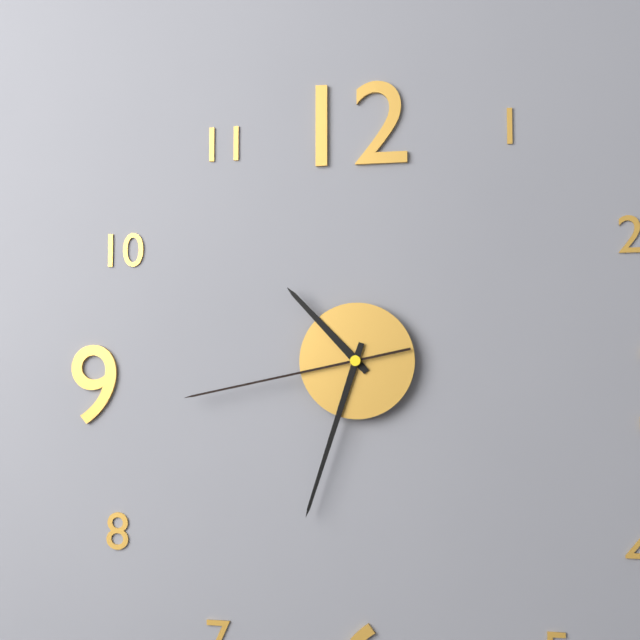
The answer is 10:33:43
